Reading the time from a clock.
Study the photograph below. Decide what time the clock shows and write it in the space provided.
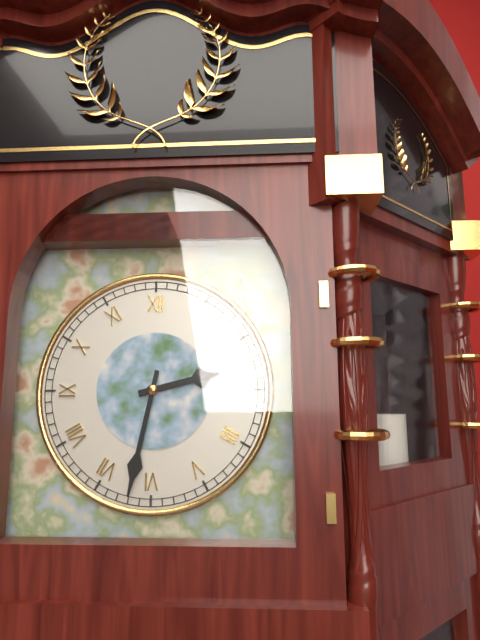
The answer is 2:32
